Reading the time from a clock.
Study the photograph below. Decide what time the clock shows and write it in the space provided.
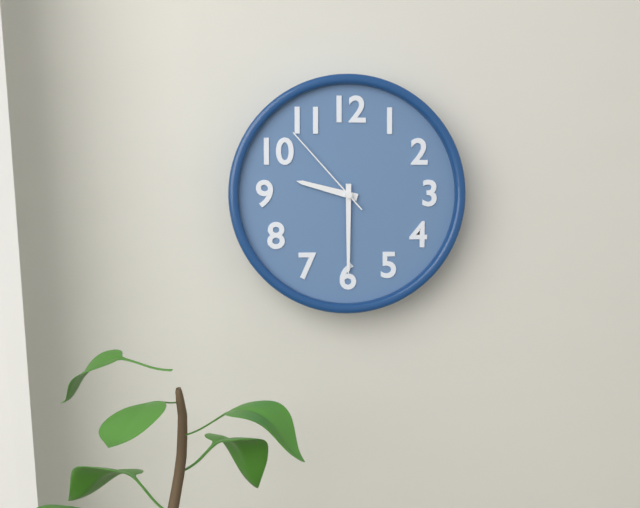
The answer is 9:30:53
